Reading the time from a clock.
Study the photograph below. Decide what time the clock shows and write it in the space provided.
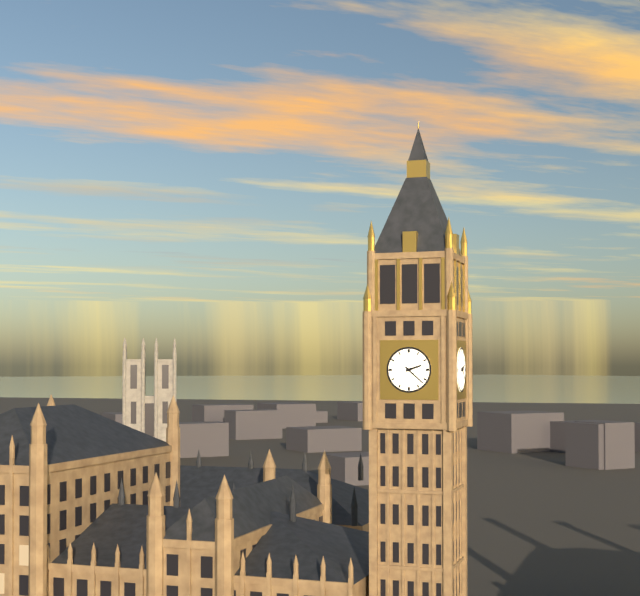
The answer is 2:22
